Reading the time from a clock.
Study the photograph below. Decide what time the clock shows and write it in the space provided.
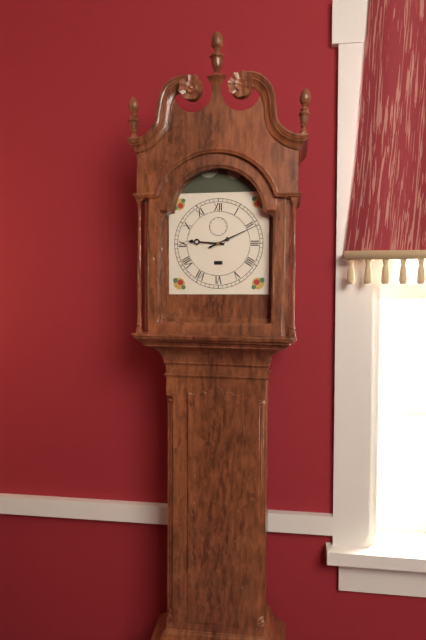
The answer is 9:11
